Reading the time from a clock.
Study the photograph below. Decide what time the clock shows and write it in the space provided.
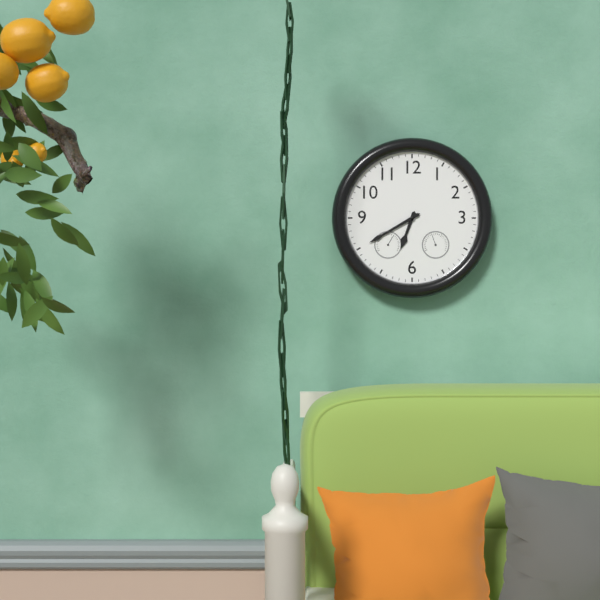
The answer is 6:40
